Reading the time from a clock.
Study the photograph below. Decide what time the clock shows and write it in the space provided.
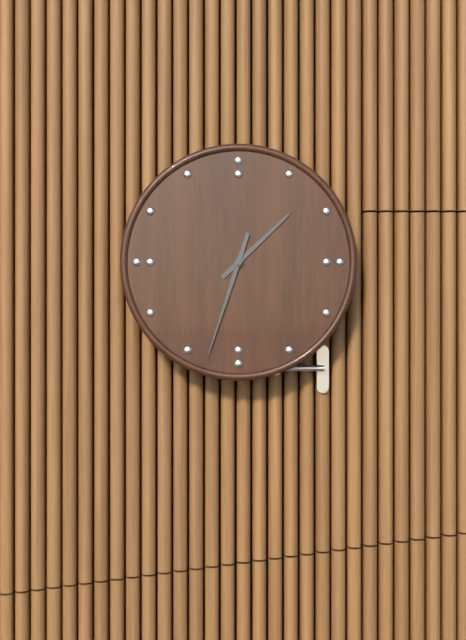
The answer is 1:33
